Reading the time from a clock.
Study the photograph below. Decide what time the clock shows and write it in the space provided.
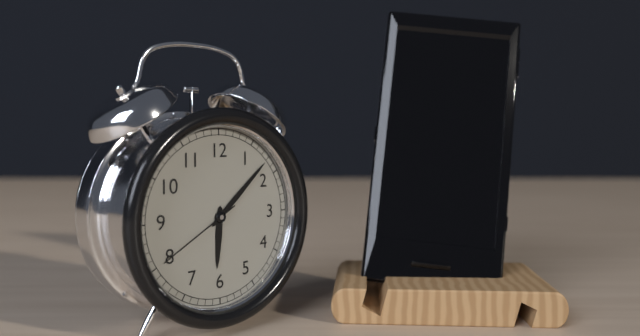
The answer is 6:08:40
